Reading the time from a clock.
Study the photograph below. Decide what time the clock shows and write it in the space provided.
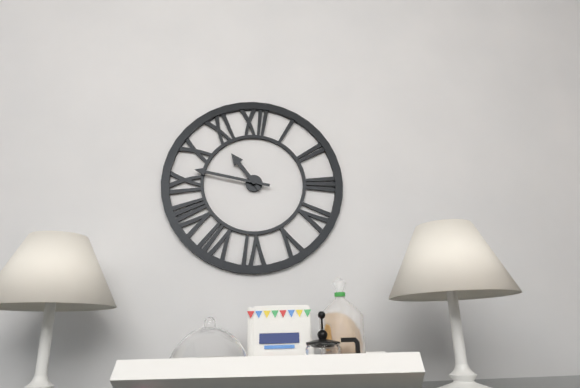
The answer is 10:47
